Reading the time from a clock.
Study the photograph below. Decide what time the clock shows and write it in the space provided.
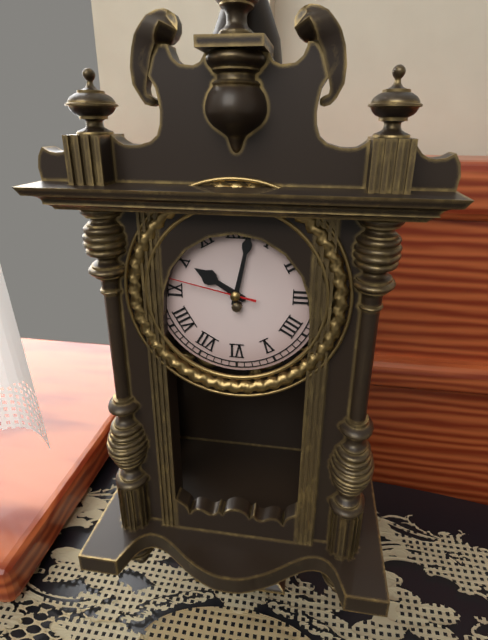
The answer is 10:02:47
